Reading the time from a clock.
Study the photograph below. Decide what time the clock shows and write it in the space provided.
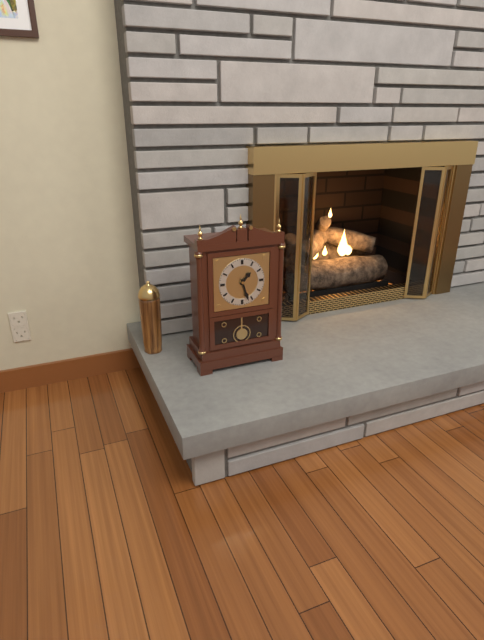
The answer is 1:27
